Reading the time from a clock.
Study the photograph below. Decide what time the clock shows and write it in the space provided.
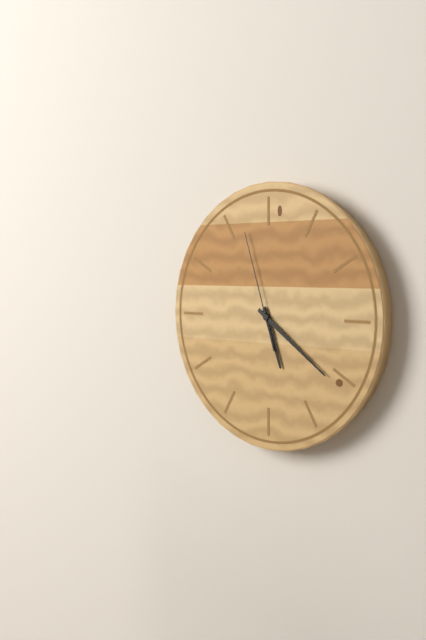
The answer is 5:21:57
